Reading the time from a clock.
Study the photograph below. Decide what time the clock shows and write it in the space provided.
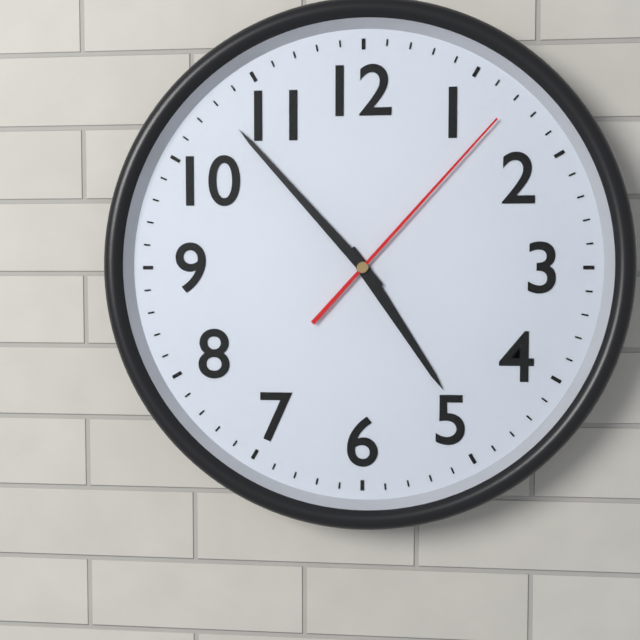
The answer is 4:53:07
